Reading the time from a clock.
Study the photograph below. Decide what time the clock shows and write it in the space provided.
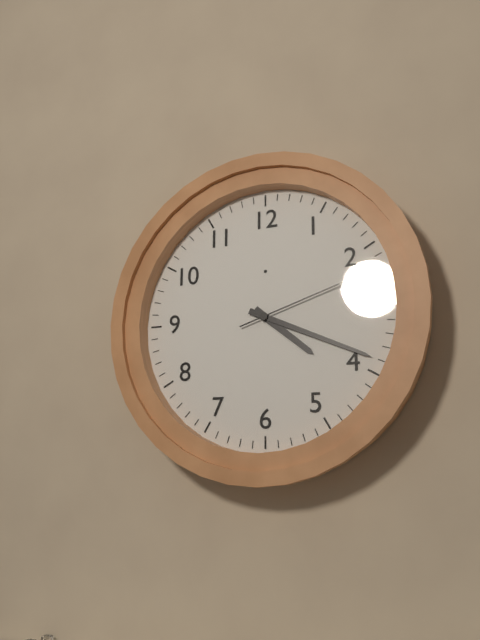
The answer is 4:19:12
